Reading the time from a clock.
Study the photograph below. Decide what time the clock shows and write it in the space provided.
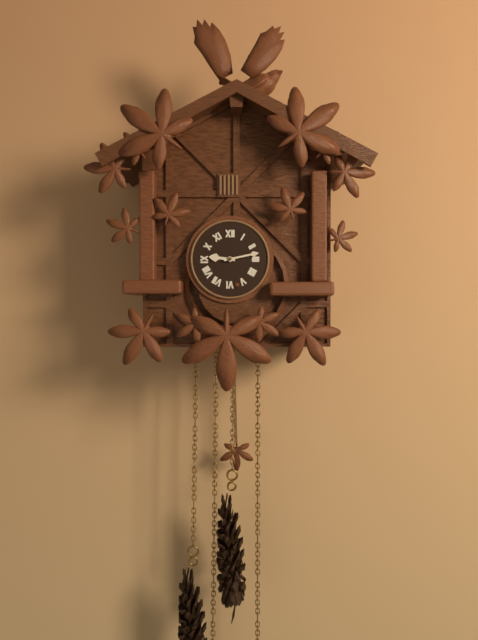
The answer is 9:13
